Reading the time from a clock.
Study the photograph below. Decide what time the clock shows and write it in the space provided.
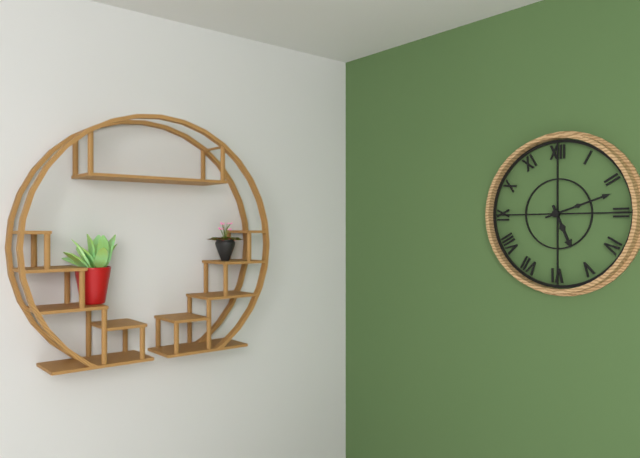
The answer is 5:12
